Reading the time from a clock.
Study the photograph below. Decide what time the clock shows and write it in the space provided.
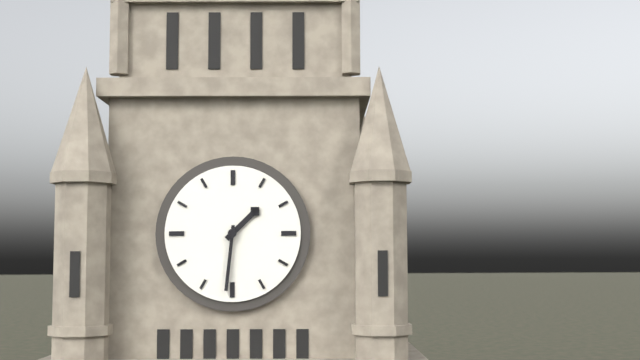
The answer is 1:31
